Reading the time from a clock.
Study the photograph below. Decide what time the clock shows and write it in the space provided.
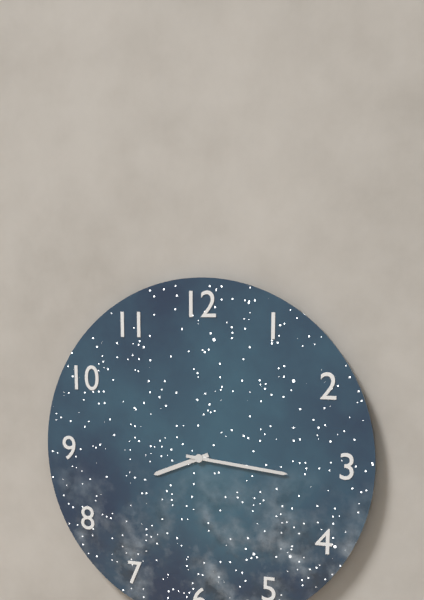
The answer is 8:16
